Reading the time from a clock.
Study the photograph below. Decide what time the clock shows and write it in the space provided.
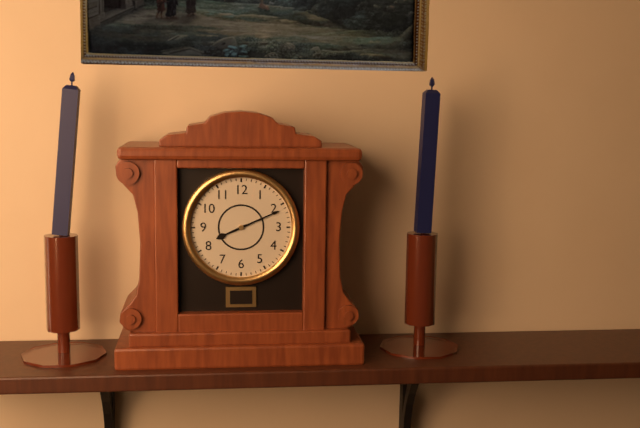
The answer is 8:11
